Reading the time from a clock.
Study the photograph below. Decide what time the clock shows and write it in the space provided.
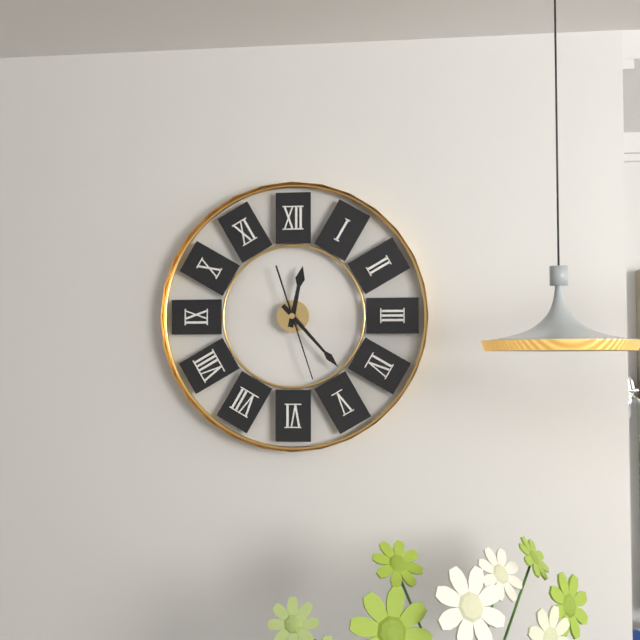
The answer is 12:23:27
